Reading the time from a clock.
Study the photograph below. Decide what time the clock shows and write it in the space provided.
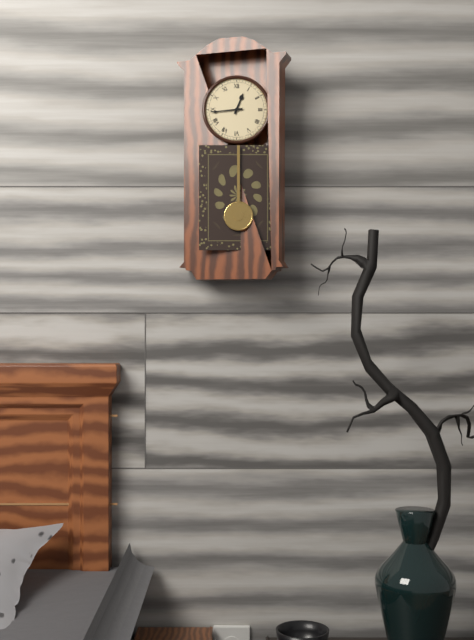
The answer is 12:44
